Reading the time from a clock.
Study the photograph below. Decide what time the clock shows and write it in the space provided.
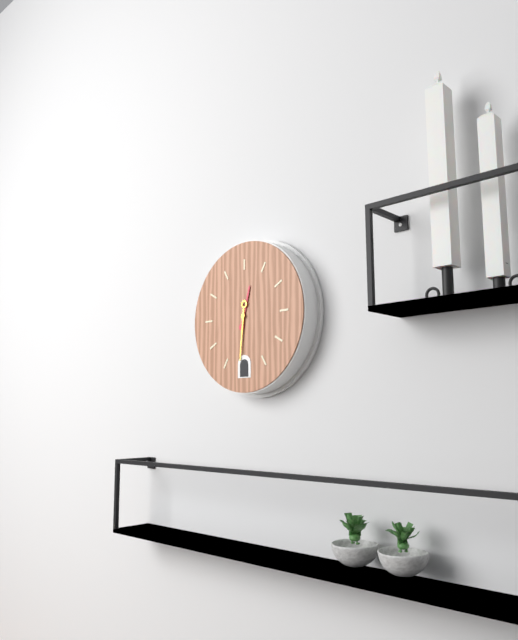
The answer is 12:31
